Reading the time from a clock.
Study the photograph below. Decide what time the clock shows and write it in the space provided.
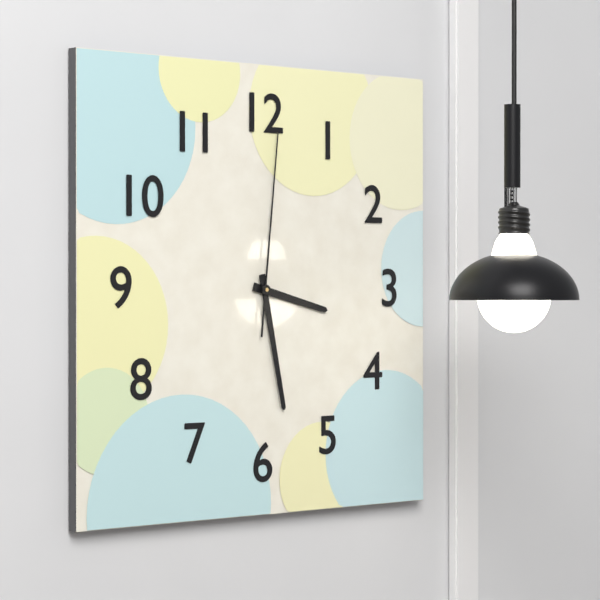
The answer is 3:28:01
